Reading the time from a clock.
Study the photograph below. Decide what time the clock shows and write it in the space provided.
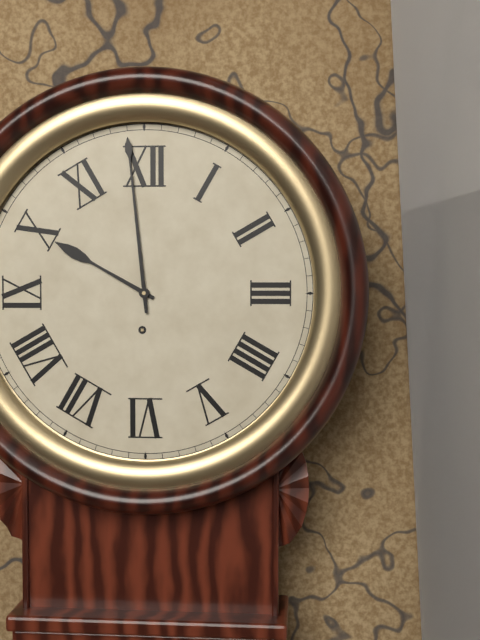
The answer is 9:59
